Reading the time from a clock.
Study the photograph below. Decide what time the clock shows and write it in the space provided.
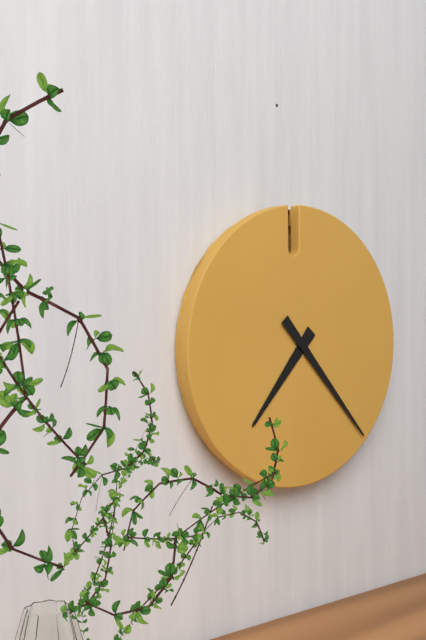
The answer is 7:23
